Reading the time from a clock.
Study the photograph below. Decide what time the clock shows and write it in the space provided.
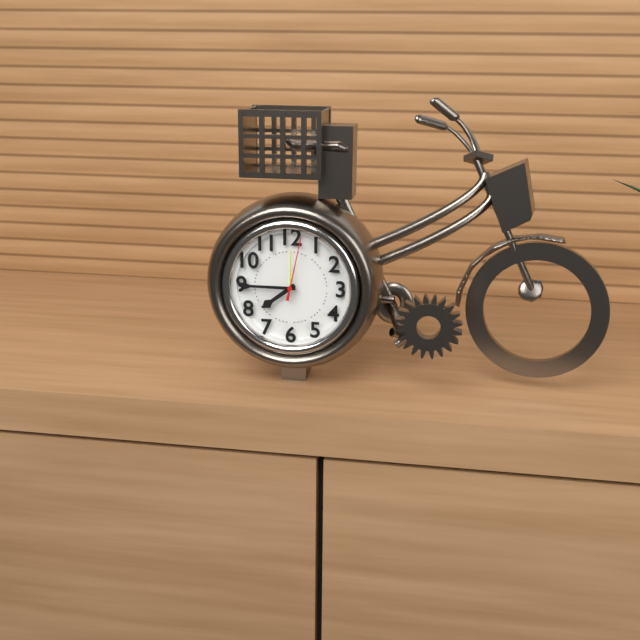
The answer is 7:45:02
